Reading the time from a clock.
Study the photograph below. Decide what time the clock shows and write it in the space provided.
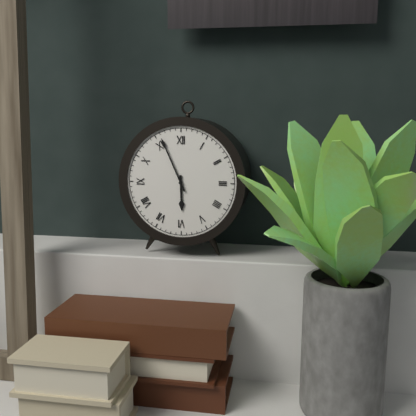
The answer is 5:56
